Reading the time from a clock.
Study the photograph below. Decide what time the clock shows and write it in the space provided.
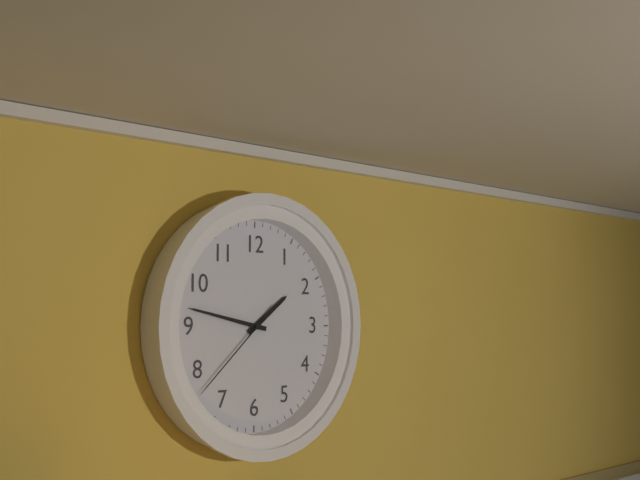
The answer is 1:47:38
